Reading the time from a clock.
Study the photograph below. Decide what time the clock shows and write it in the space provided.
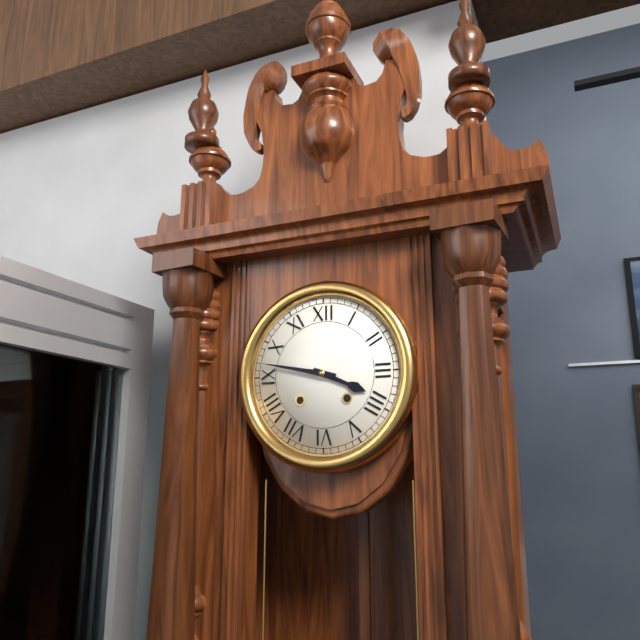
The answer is 3:47
